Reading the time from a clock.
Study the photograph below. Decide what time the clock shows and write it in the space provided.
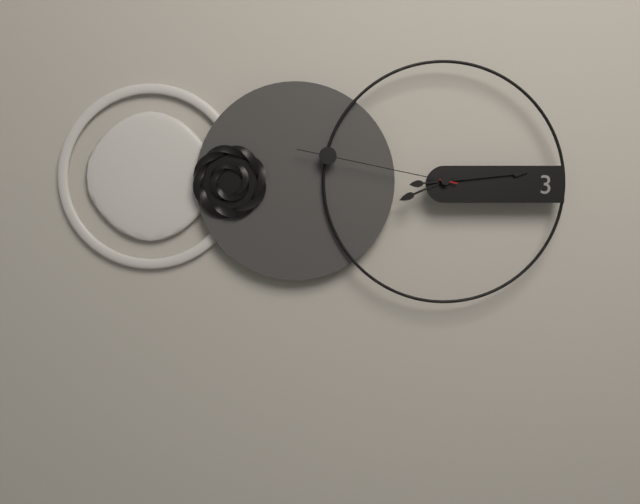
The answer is 8:14:47
